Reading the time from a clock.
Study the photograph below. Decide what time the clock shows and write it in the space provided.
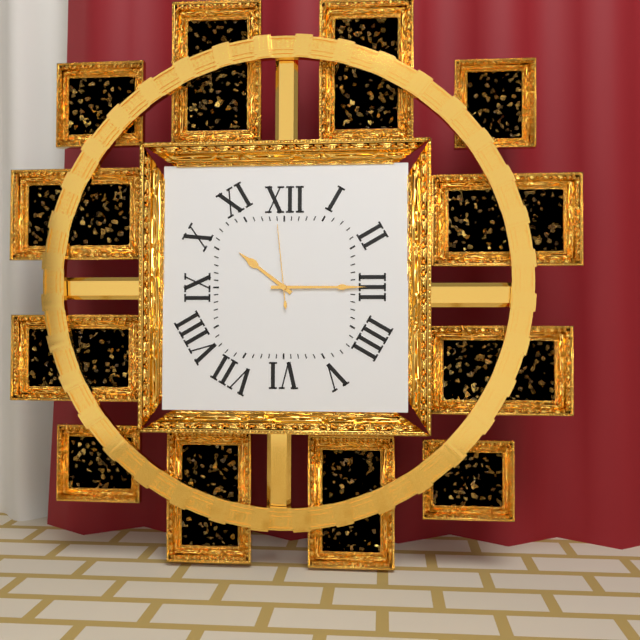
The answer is 10:15:59
